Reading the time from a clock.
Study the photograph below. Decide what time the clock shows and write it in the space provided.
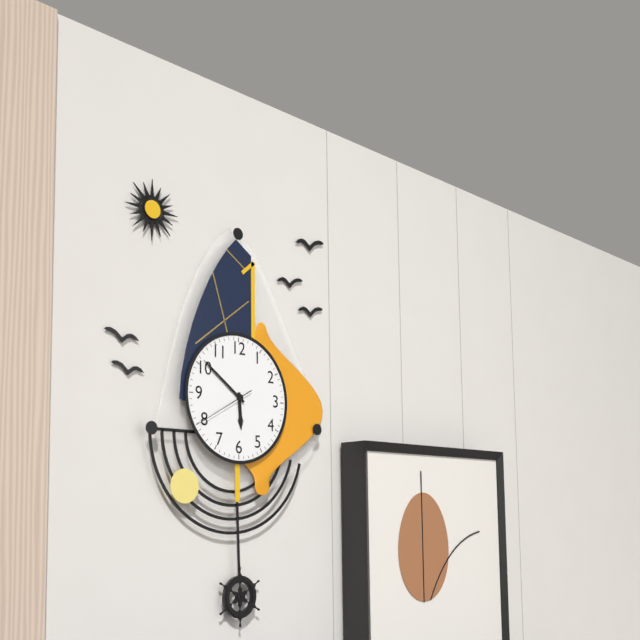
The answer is 5:51:40
